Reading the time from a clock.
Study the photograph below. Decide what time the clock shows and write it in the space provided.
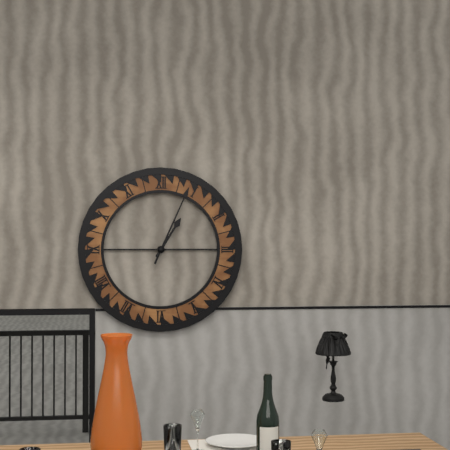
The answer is 1:04
